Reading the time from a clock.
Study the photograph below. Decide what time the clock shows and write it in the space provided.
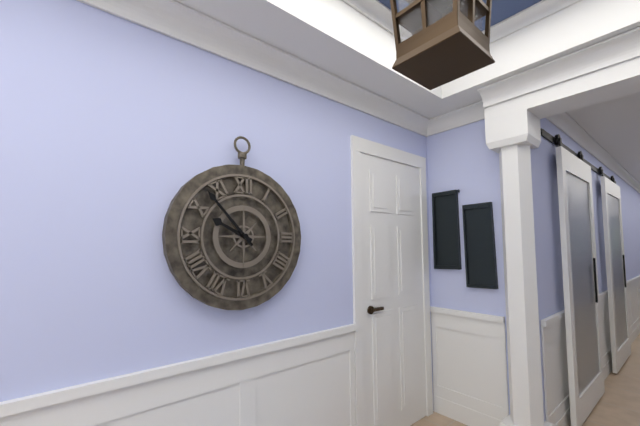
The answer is 9:53
